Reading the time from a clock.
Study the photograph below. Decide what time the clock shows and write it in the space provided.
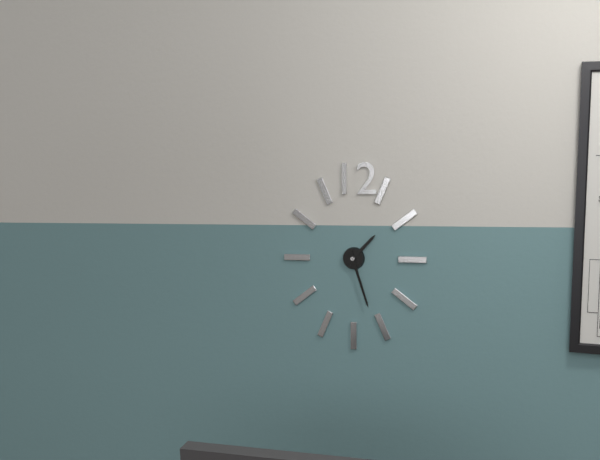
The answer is 1:27
